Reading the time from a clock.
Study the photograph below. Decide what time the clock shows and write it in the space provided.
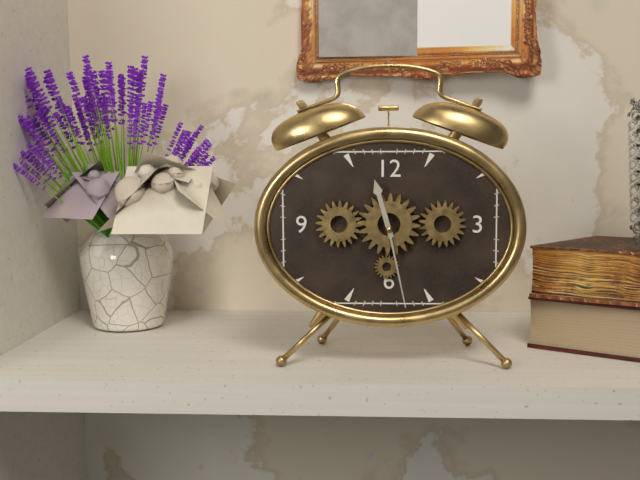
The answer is 11:28
